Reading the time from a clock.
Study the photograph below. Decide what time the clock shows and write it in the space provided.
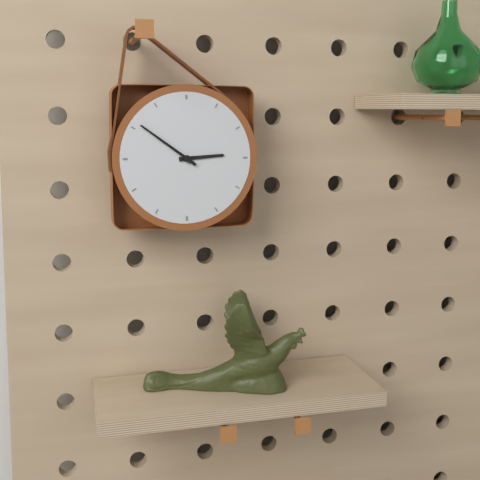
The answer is 2:51
